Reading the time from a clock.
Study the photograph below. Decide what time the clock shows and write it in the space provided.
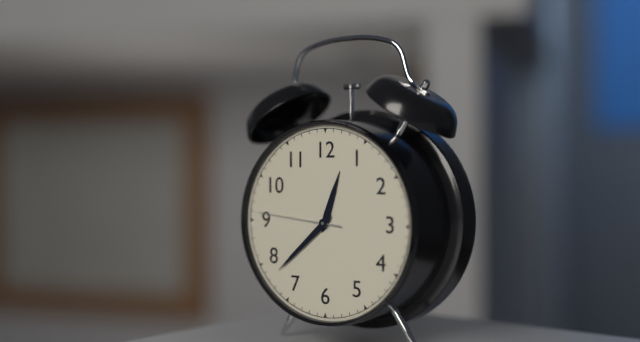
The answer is 12:38:46
